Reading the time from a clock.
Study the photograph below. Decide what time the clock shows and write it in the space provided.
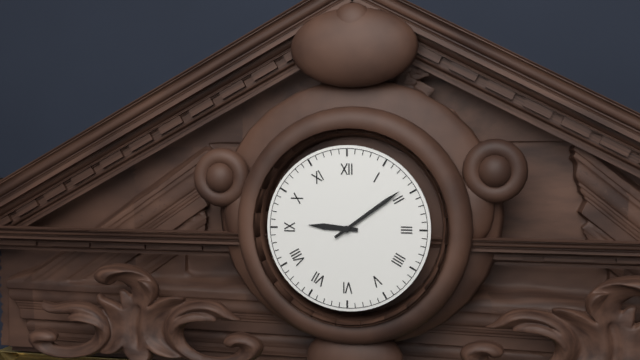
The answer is 9:09
